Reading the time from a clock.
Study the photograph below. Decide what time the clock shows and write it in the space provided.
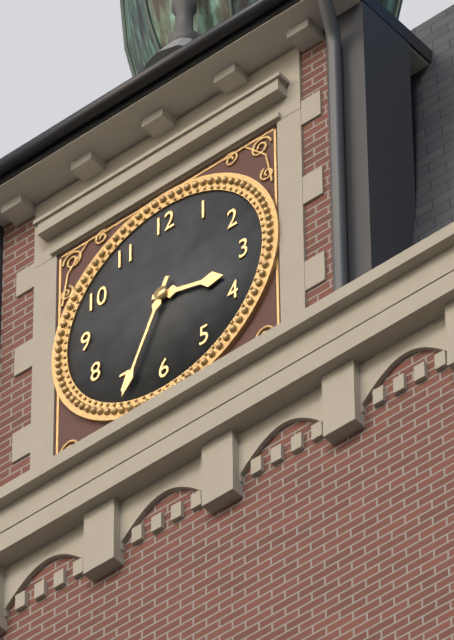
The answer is 3:34
